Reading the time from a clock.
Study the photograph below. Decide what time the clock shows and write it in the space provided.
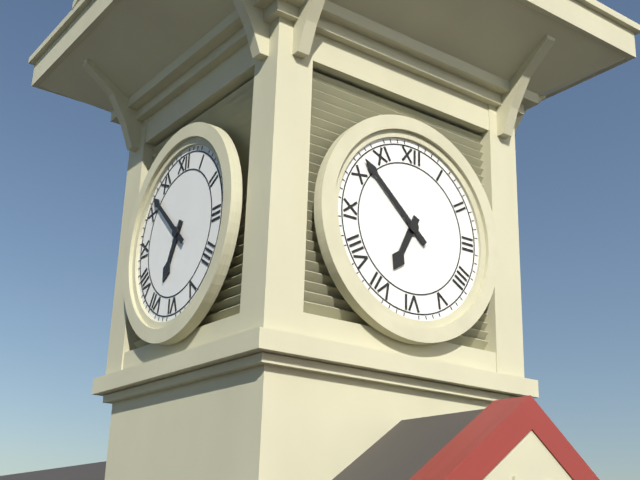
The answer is 6:52
